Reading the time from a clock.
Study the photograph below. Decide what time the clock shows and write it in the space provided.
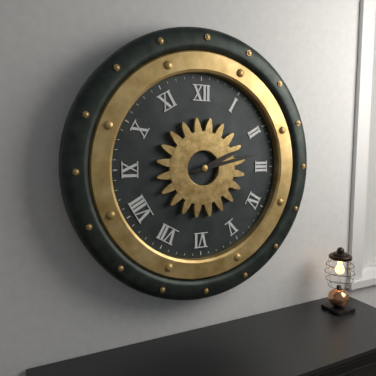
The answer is 2:13
